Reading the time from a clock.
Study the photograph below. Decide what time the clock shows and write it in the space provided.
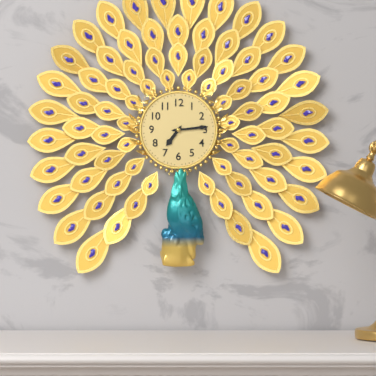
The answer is 7:14
